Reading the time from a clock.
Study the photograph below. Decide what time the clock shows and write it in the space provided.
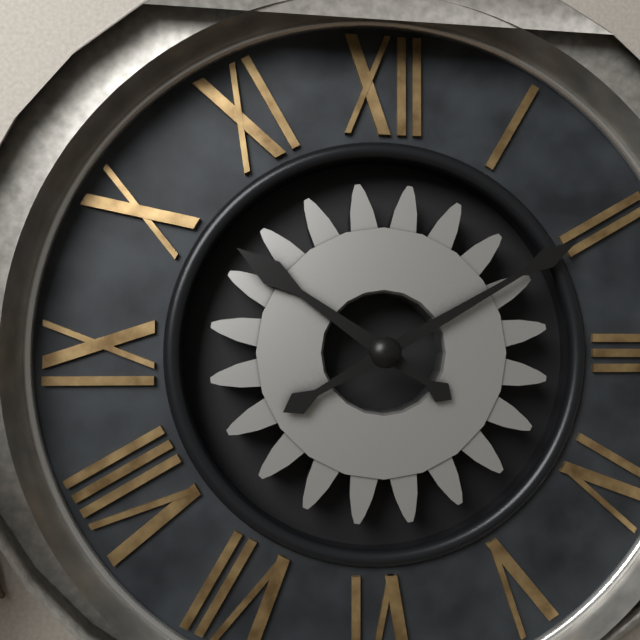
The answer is 10:10
